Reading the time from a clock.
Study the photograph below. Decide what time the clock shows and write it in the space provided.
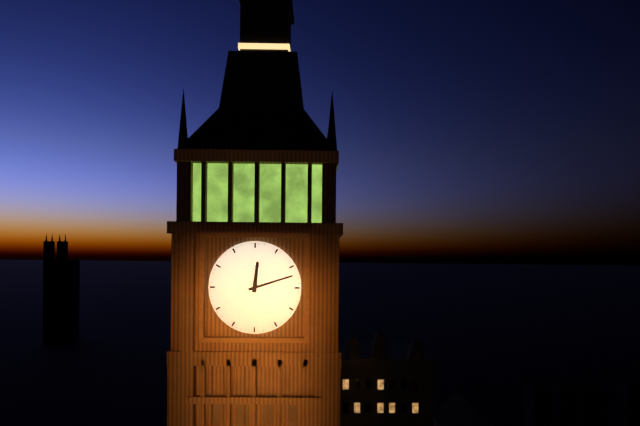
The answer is 12:12
